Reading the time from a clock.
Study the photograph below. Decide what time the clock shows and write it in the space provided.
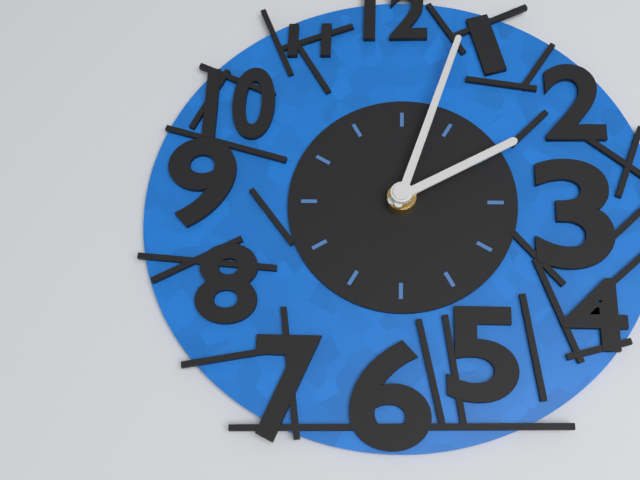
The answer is 2:03
